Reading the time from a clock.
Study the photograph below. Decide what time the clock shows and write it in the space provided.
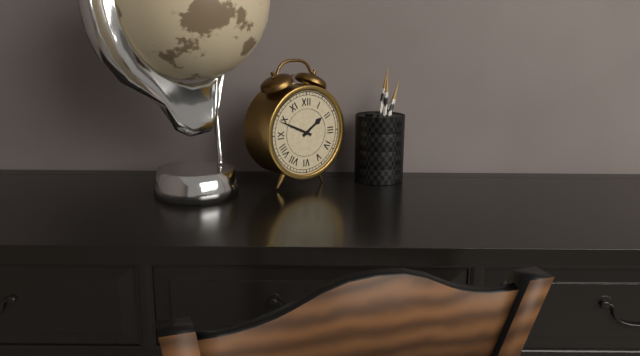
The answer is 1:49
